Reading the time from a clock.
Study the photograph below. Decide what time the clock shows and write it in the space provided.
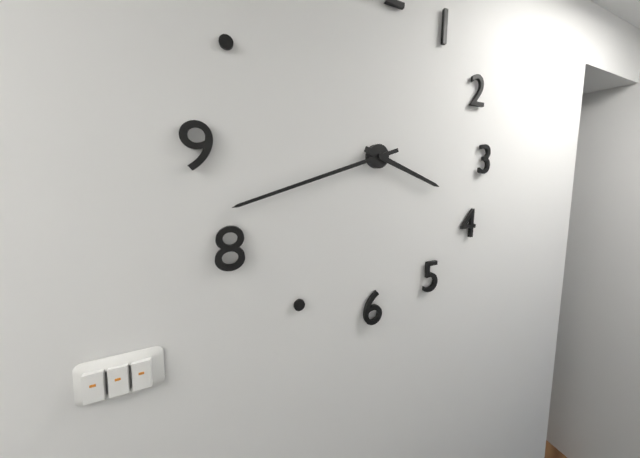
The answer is 3:42
